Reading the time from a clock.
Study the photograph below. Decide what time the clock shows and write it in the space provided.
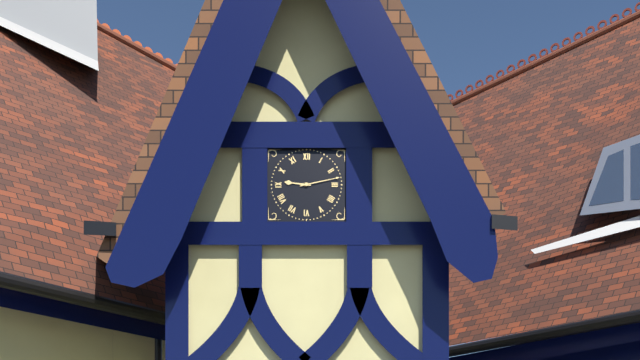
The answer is 9:13
